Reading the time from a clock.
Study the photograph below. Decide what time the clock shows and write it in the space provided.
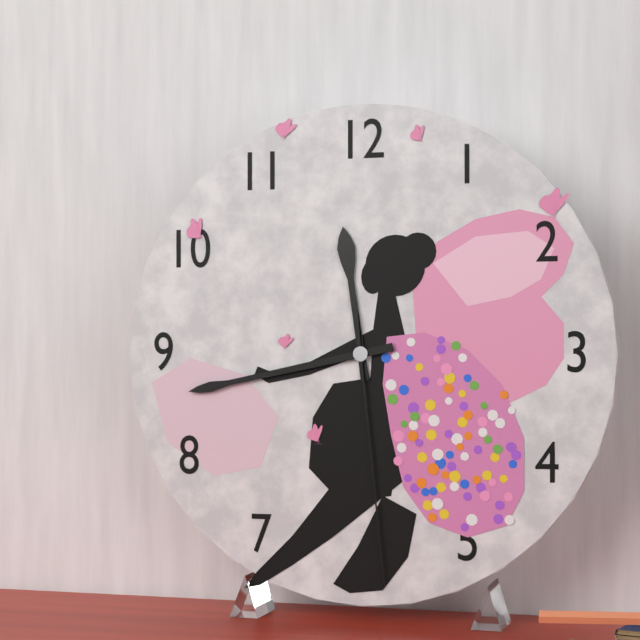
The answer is 11:43:29
